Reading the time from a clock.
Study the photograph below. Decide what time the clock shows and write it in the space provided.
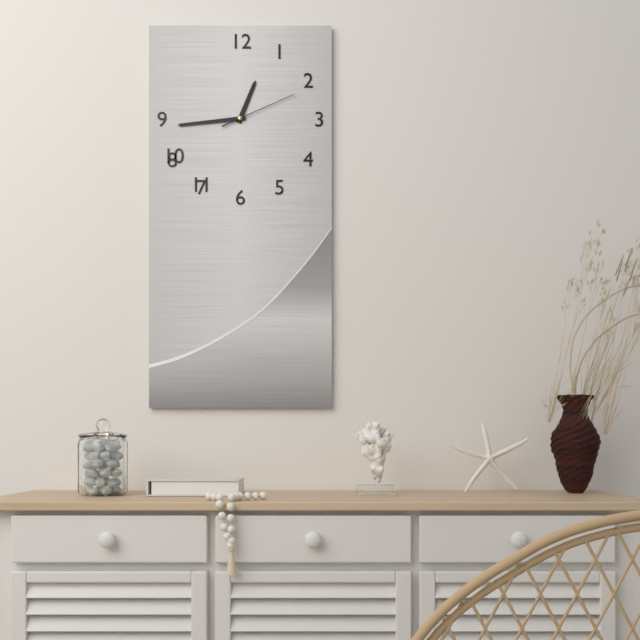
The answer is 12:44:11
